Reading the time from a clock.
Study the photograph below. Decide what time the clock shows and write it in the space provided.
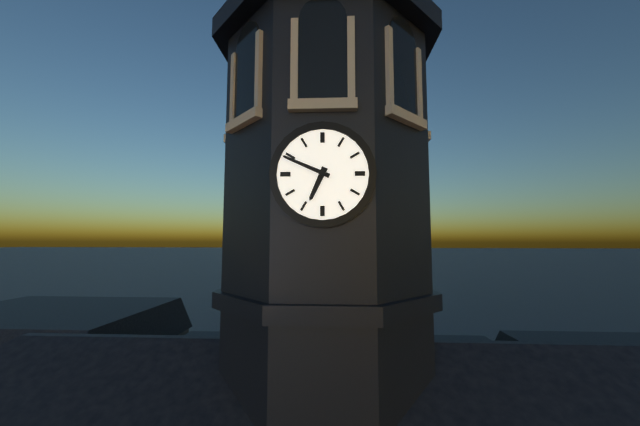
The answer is 6:49
